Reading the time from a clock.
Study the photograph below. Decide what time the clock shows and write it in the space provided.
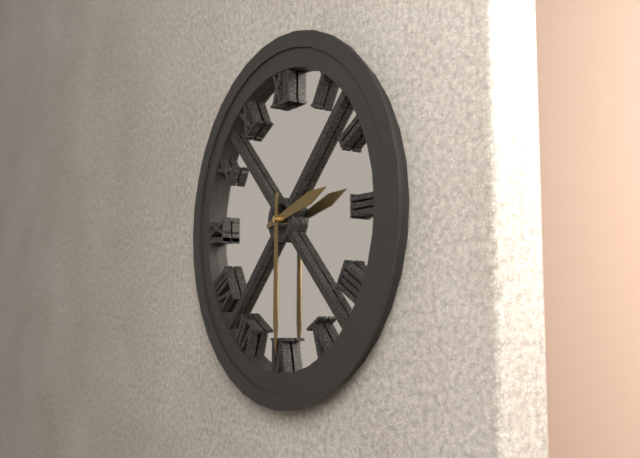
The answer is 2:30
